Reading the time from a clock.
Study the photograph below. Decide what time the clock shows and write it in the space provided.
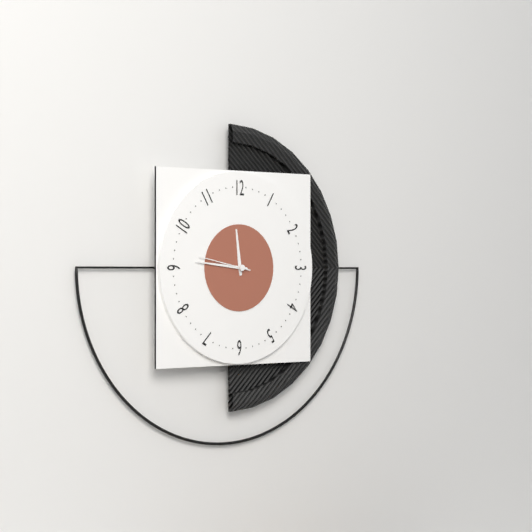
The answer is 11:46:47
